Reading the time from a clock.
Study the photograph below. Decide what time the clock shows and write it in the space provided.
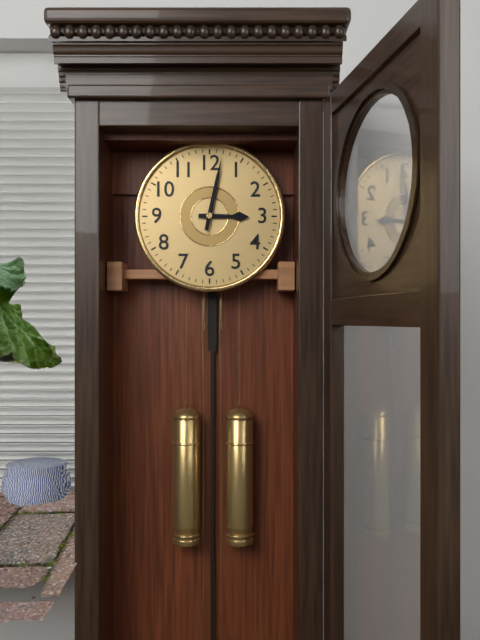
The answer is 3:02
